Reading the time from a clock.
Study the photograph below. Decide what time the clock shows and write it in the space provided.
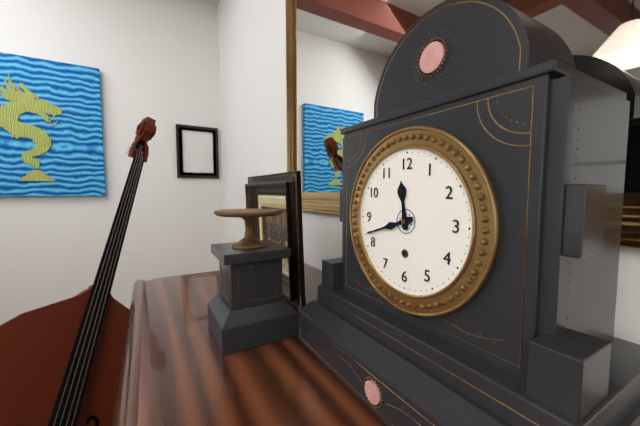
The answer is 11:42
